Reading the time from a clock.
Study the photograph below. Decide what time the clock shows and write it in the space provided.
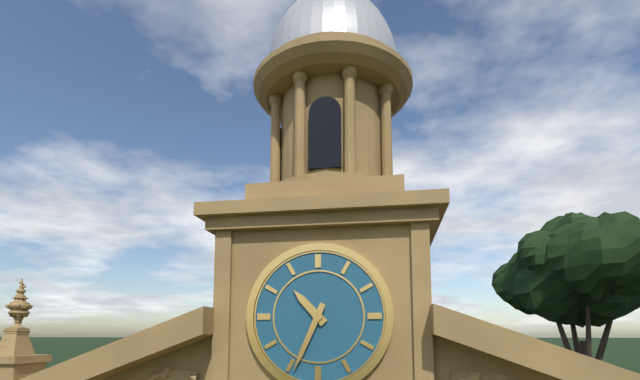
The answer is 10:34
